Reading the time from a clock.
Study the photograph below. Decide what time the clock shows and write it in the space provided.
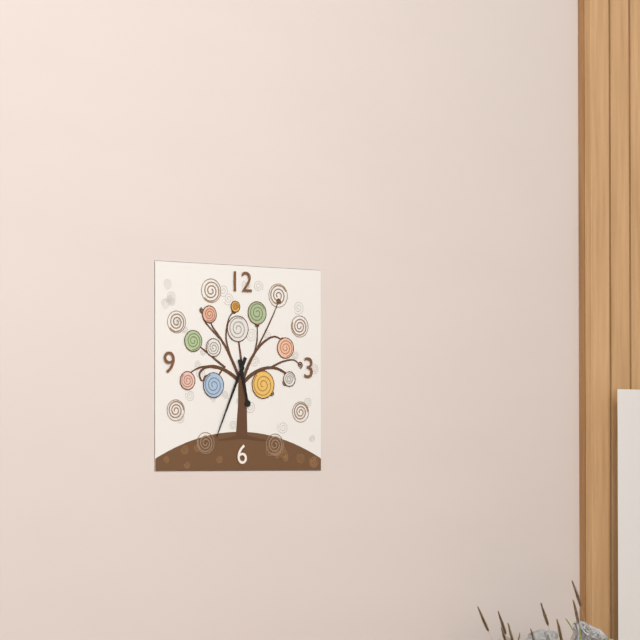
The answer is 5:34
